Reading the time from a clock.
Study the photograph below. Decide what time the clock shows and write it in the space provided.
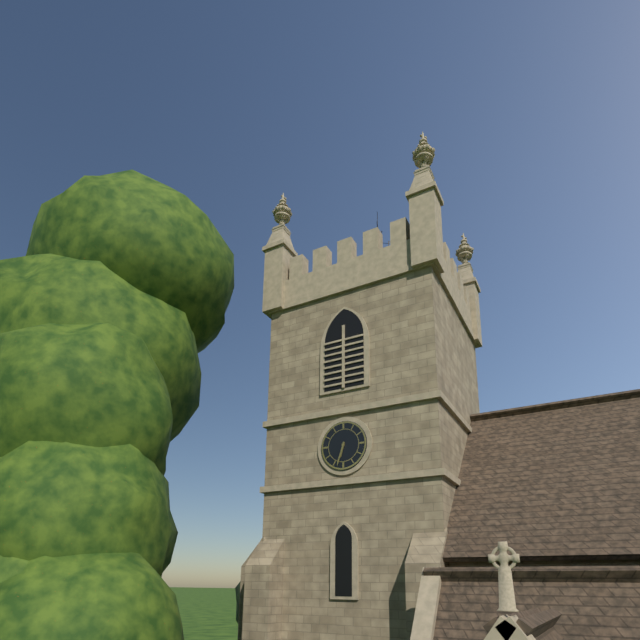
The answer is 6:33
